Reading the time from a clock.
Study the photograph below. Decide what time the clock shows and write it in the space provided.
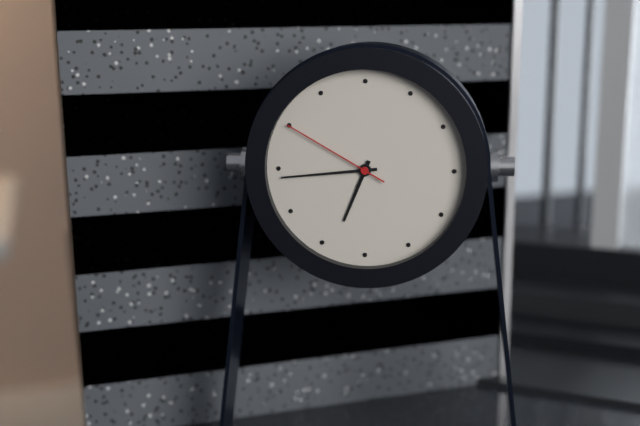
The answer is 6:44:50
